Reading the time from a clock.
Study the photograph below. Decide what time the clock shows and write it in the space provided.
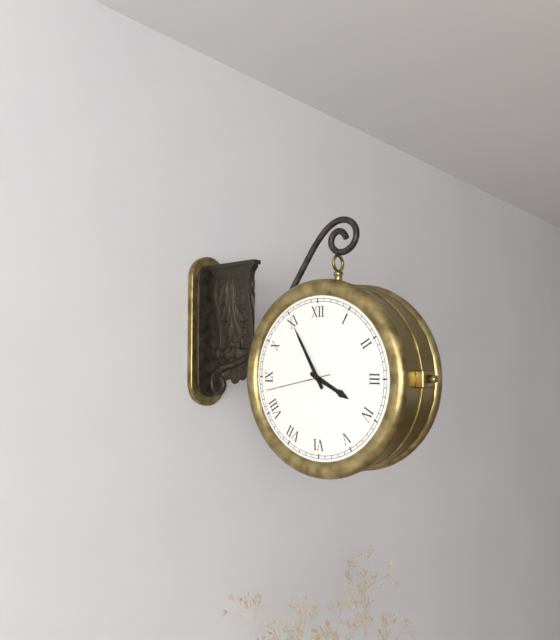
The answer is 3:55:43
